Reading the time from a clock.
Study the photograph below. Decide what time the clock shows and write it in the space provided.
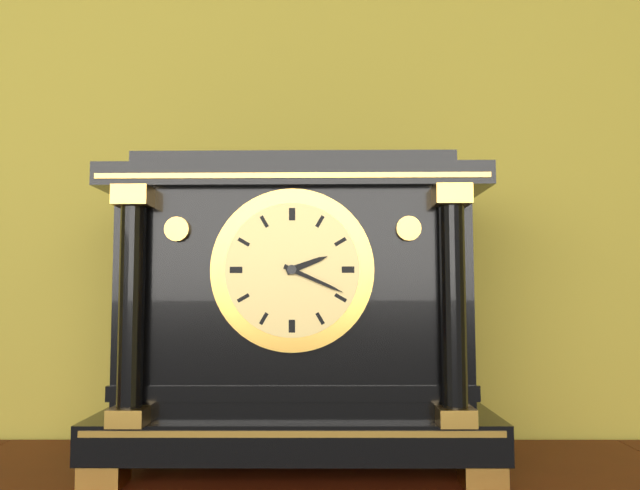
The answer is 2:19
